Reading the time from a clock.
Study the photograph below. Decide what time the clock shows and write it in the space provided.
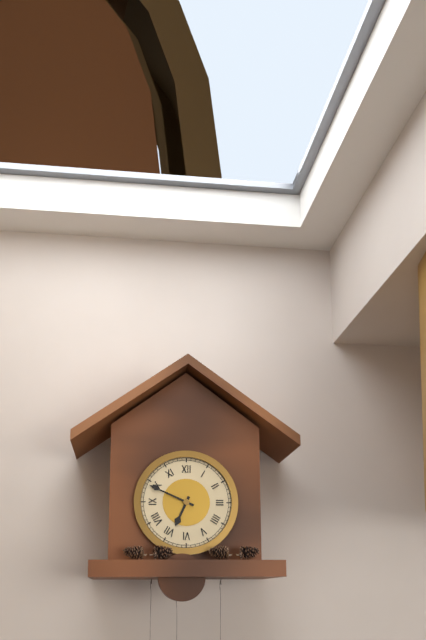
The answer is 6:49
